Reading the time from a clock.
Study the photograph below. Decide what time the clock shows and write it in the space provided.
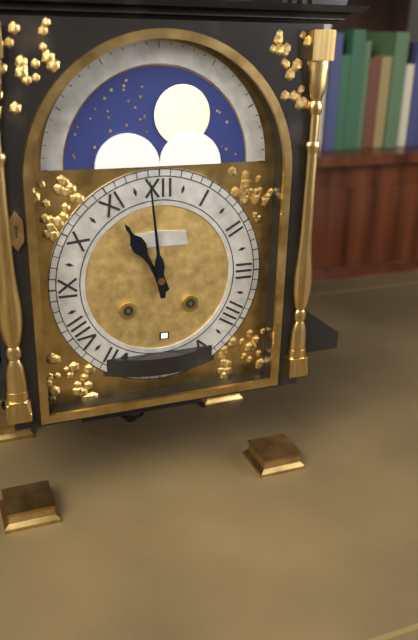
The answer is 10:59
